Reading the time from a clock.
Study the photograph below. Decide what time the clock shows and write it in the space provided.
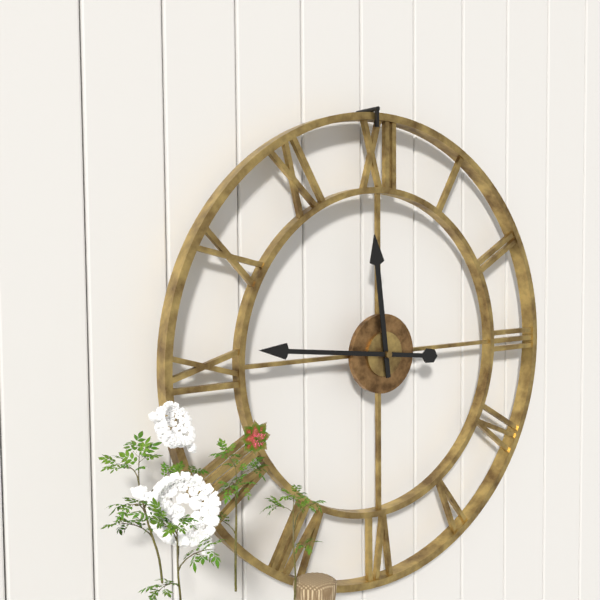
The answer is 11:46
